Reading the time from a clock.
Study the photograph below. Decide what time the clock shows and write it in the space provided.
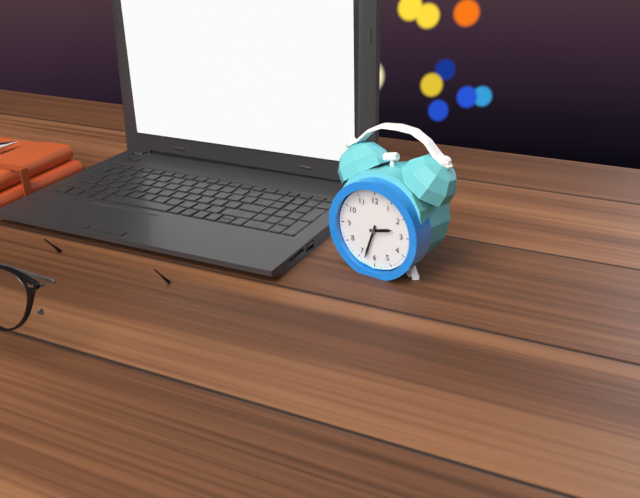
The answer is 2:33
